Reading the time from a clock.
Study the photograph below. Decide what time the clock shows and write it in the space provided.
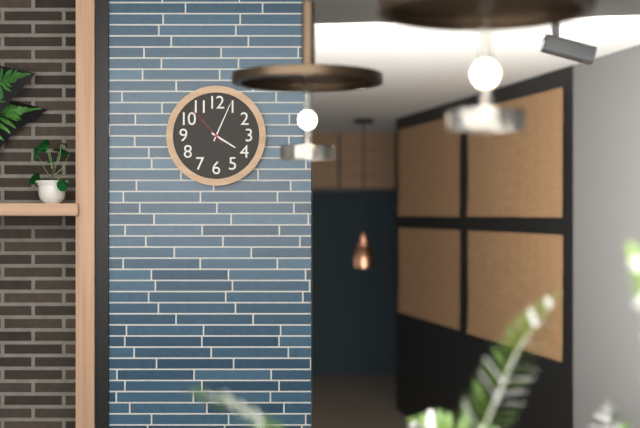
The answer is 4:04
